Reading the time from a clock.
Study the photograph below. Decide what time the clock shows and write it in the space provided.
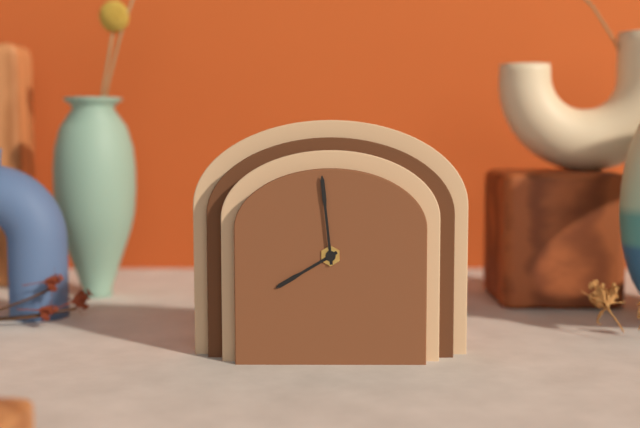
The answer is 7:59
